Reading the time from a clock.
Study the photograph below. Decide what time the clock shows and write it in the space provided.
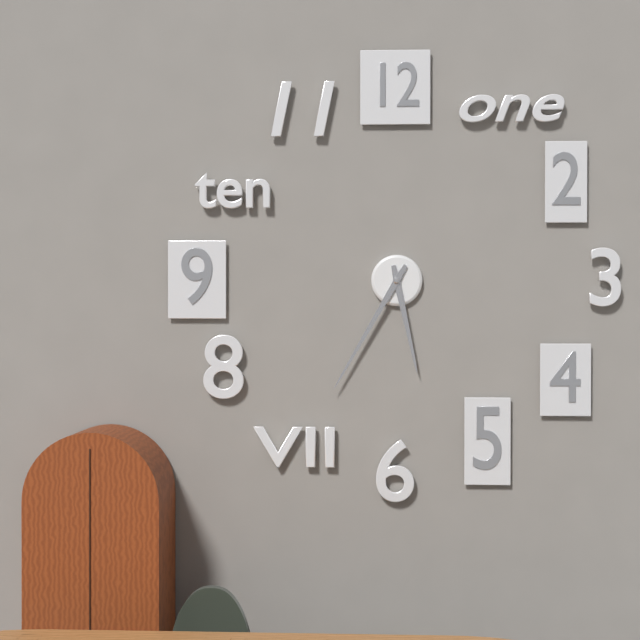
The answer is 5:35
